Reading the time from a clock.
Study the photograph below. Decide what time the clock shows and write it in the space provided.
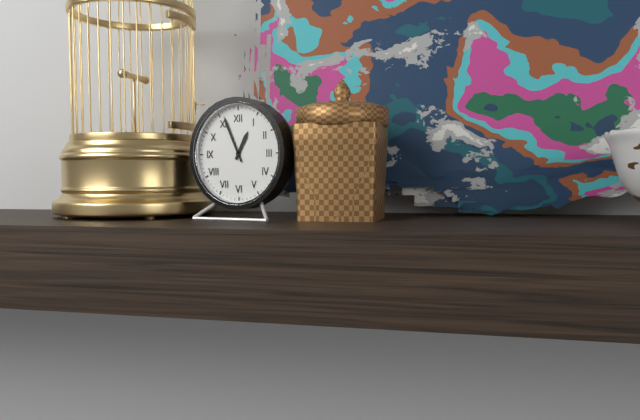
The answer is 12:56
